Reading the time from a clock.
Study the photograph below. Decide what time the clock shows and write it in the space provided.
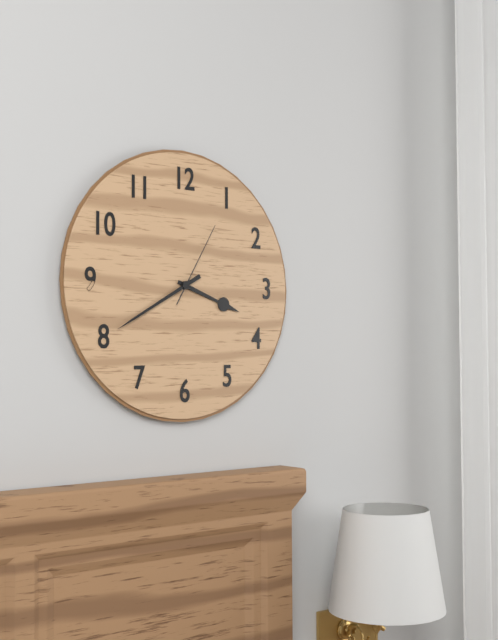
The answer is 3:40:05
